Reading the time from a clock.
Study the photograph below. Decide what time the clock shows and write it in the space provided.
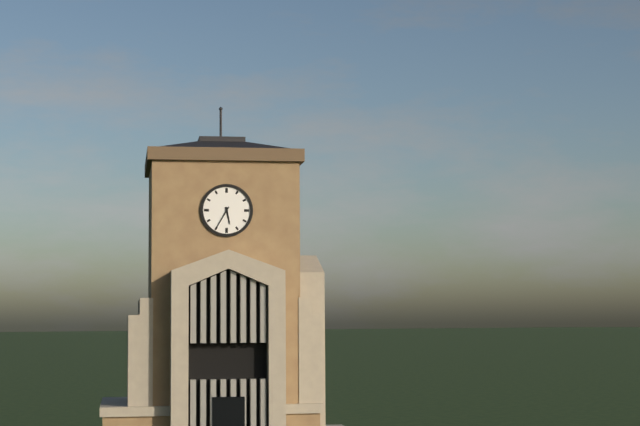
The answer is 5:35
